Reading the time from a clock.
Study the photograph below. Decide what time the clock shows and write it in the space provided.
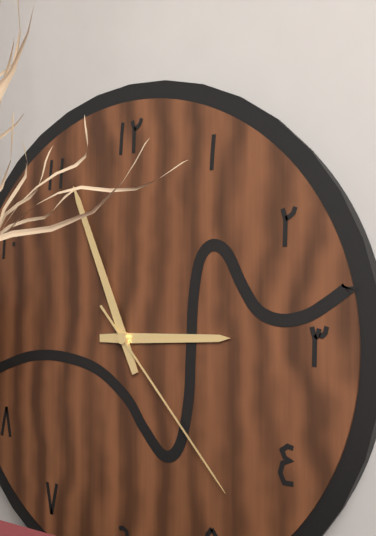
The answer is 2:56:23
